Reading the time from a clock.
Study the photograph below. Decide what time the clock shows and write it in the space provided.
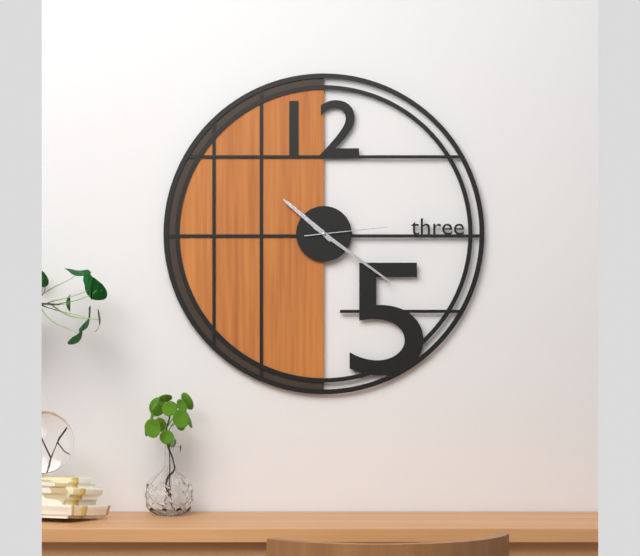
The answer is 10:21:14
